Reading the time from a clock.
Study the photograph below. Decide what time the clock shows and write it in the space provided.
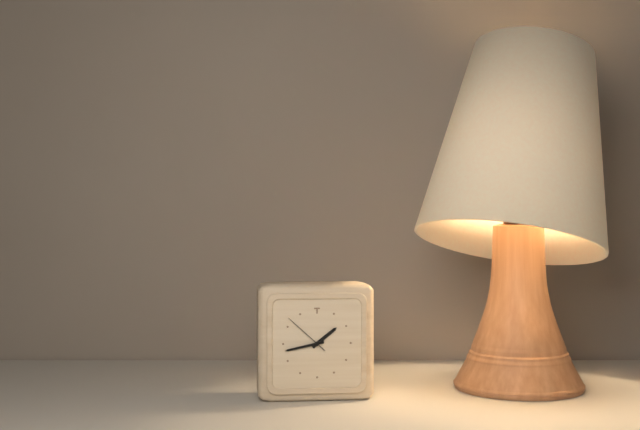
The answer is 1:43
